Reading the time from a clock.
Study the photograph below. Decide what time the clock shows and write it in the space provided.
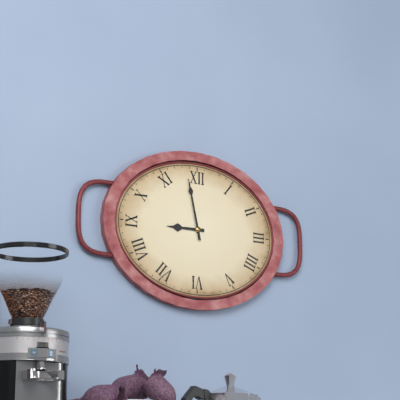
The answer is 8:58
